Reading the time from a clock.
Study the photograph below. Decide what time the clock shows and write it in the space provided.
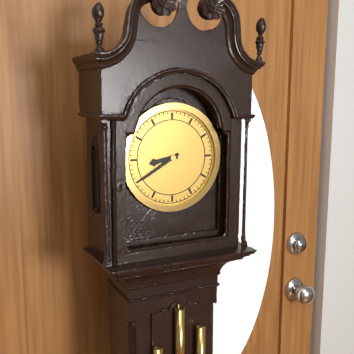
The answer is 8:40
